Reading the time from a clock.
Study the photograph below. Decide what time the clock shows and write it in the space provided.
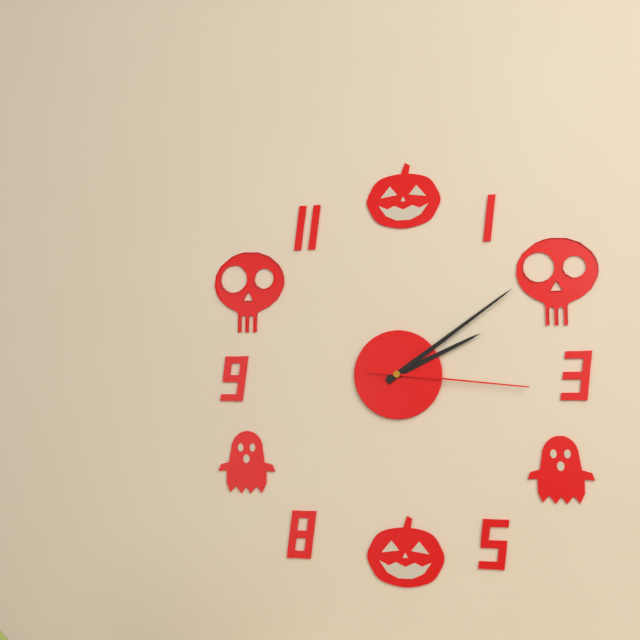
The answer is 2:09:16
